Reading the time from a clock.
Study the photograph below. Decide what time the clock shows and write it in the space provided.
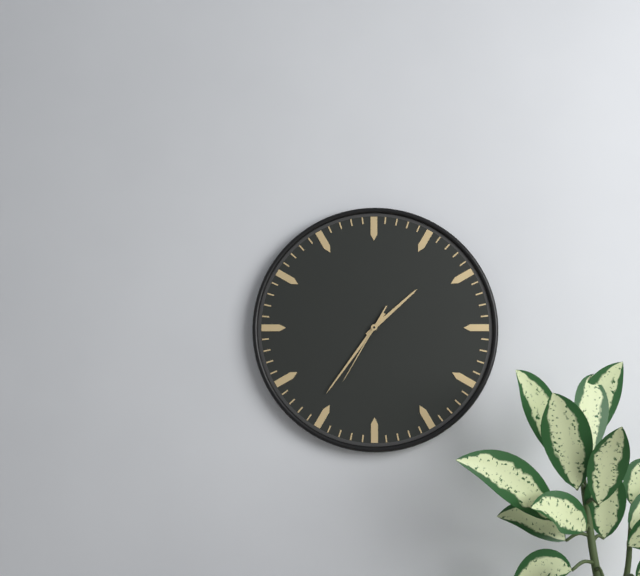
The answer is 1:36:35
